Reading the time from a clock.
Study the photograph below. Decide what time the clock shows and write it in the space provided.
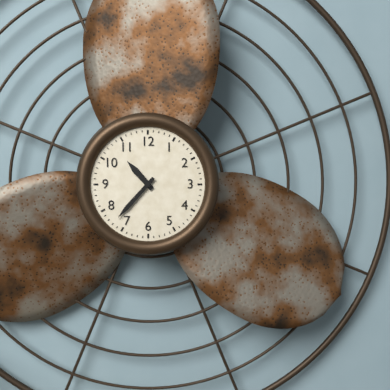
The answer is 10:37
